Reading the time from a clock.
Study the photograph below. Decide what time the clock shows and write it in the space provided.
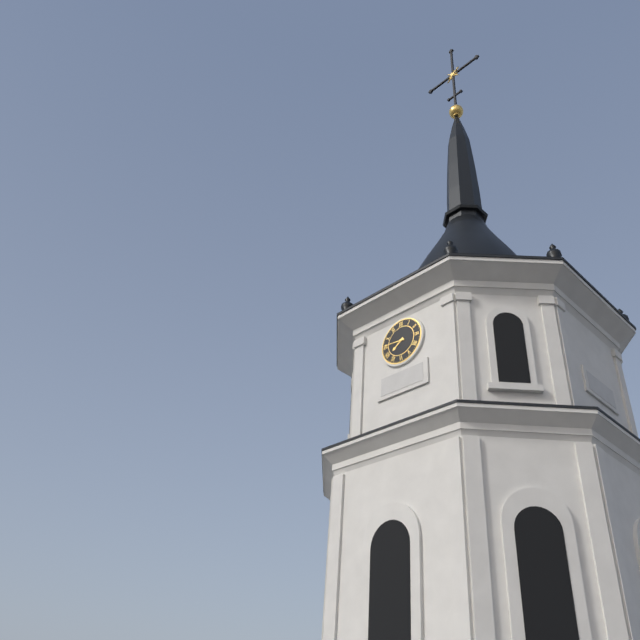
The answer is 7:46
